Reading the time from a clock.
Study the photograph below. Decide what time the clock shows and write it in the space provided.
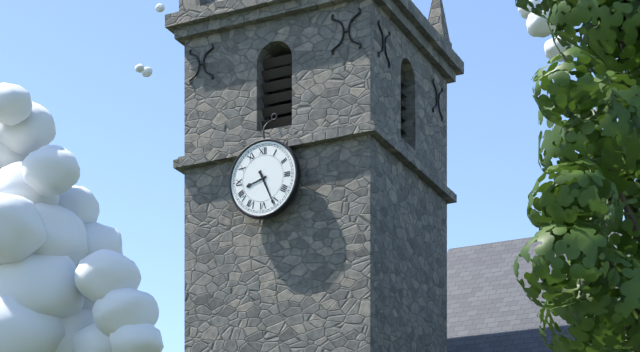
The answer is 8:26
